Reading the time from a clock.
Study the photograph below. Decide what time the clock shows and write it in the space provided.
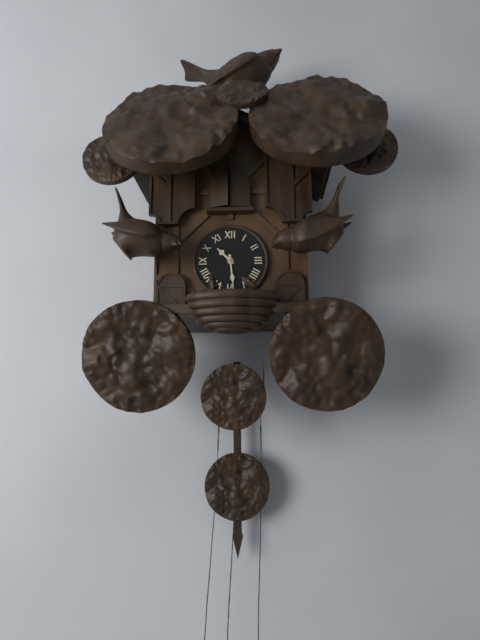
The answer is 10:29
